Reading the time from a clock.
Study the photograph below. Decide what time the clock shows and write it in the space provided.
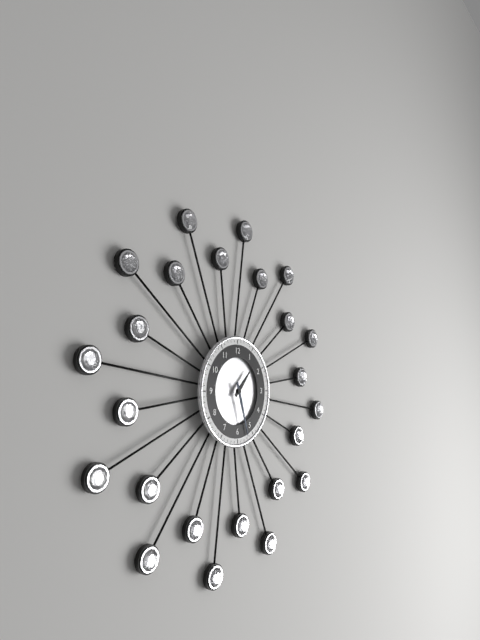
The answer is 1:27
